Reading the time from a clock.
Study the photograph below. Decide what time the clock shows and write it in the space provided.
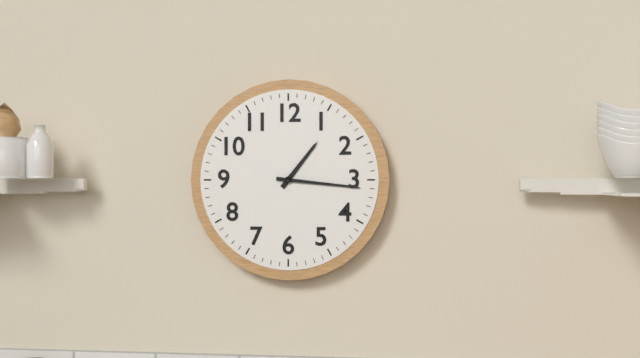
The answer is 1:16
